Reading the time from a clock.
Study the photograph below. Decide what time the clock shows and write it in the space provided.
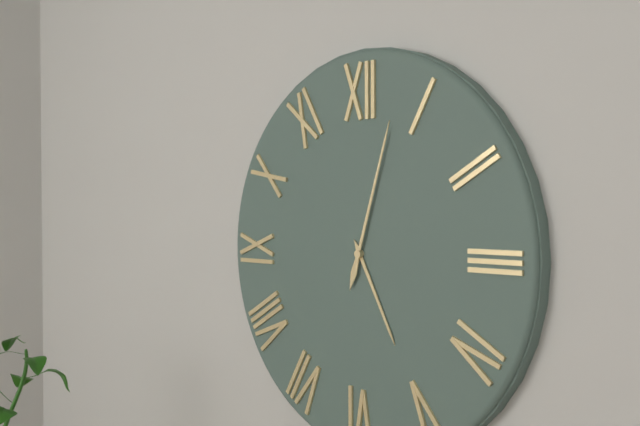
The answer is 5:03
